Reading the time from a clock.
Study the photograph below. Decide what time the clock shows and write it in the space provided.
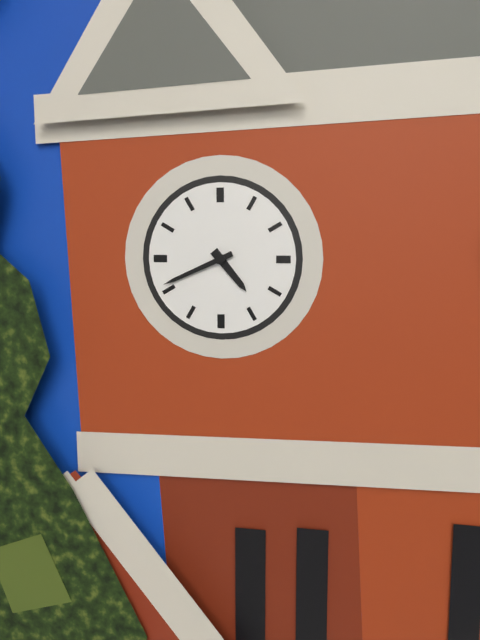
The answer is 4:41
